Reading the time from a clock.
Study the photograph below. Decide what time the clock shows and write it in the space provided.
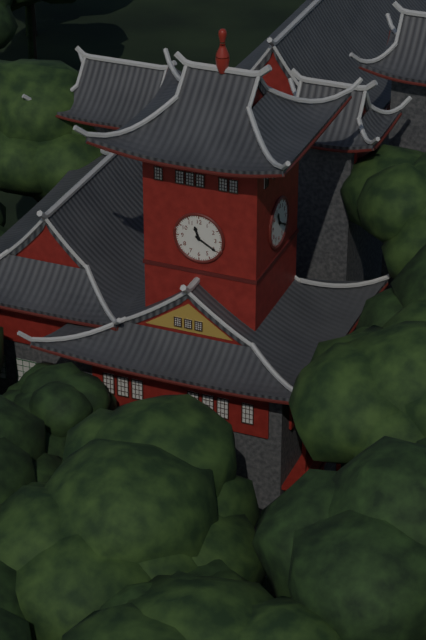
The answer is 11:20
